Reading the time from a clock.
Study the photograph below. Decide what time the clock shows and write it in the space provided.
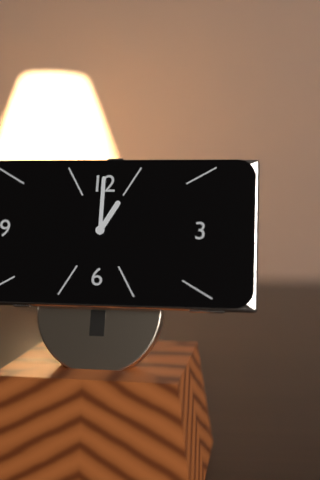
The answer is 1:00
